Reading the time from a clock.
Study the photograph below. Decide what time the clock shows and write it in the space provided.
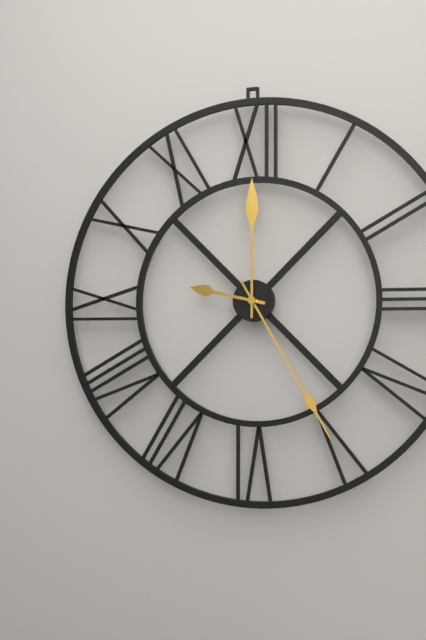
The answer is 9:25:00
